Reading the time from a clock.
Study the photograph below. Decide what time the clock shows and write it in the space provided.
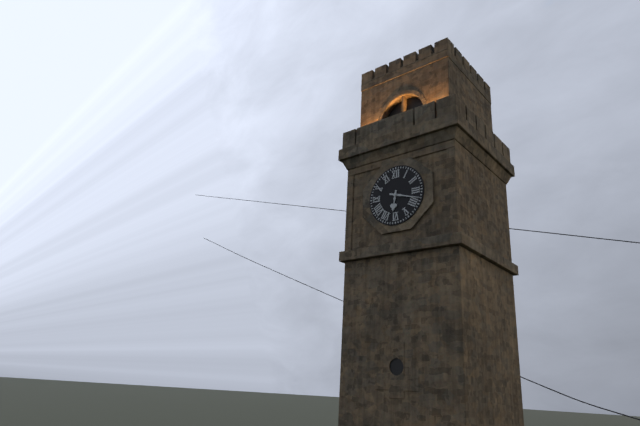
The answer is 6:18
